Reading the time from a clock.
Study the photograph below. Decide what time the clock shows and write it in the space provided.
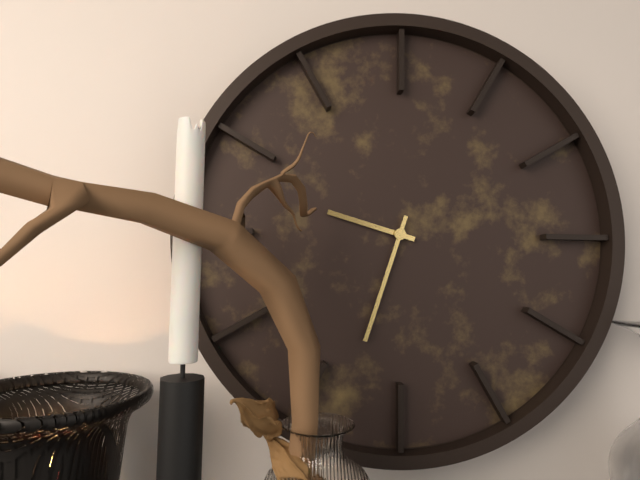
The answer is 9:33
